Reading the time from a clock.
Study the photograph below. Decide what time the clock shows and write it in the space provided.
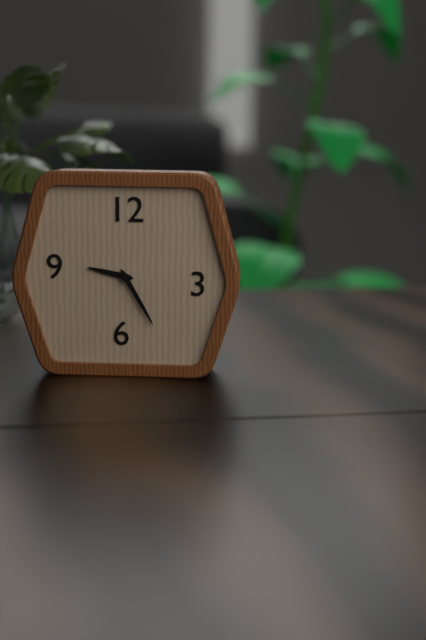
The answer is 9:25
